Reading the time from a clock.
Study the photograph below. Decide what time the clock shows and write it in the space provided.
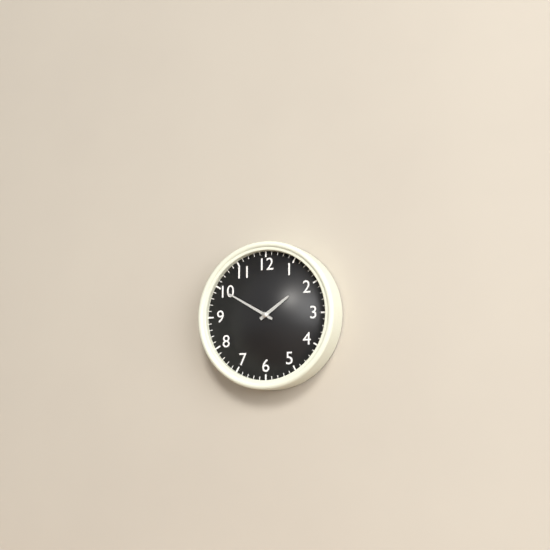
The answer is 1:50
